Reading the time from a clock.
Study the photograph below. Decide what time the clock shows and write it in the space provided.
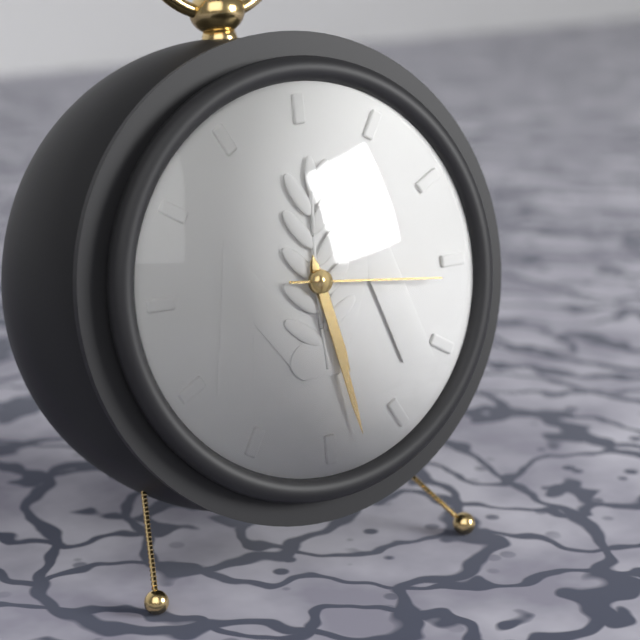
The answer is 5:28:16
